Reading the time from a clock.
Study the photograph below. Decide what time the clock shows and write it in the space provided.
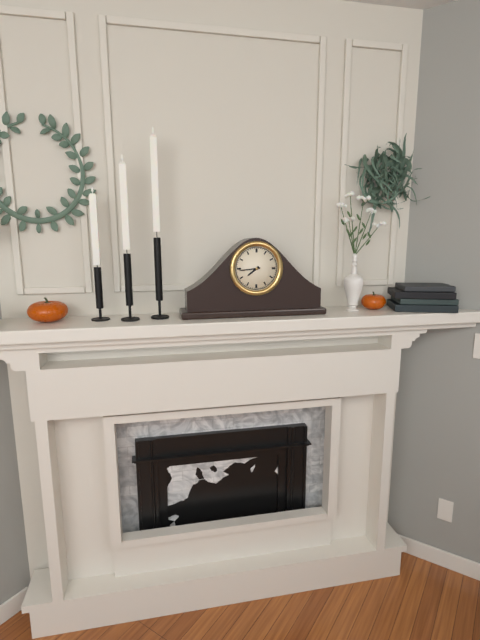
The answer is 7:44
